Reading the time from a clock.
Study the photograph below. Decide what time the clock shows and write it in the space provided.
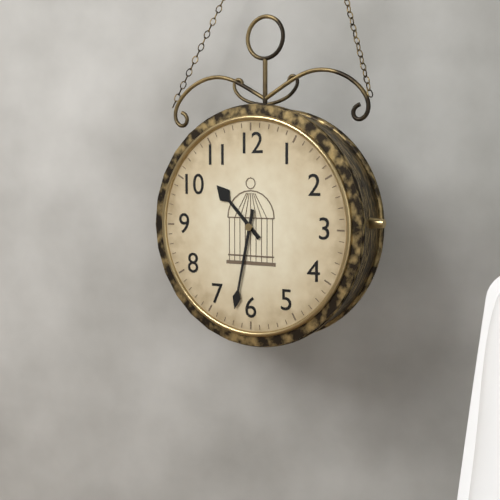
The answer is 10:32
